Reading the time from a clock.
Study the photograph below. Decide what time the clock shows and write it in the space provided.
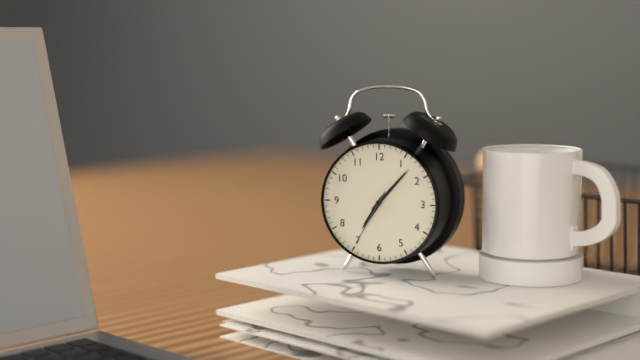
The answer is 7:07:35
